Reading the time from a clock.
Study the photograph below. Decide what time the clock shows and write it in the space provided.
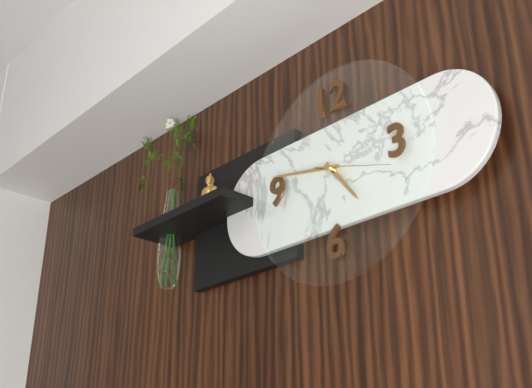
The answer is 4:47:18
